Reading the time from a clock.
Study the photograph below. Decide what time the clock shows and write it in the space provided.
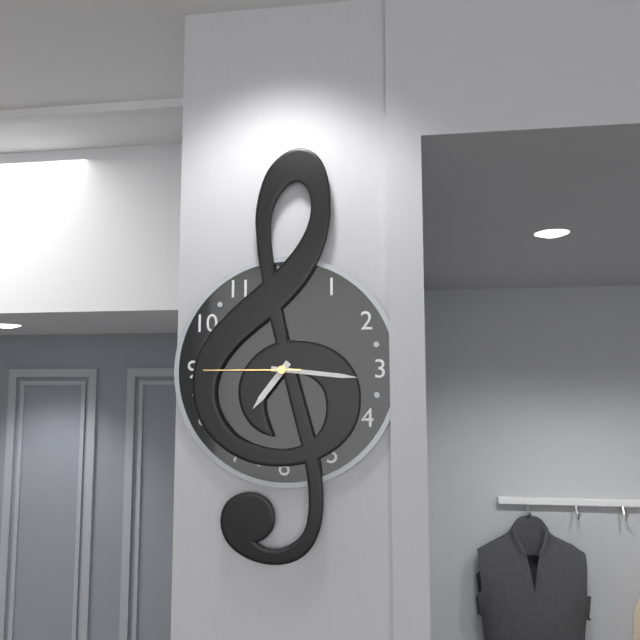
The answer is 7:16:45
